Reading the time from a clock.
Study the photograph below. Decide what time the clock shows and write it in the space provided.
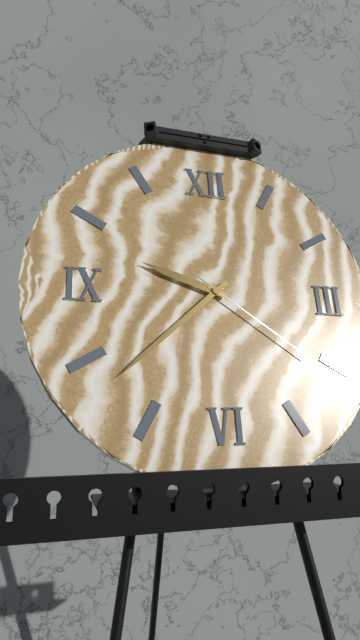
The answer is 9:38:21
